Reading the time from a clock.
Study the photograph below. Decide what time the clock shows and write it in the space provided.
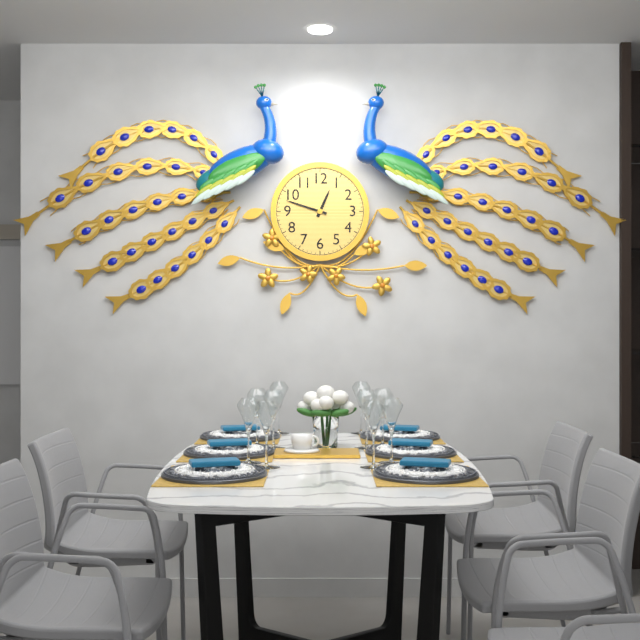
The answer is 12:48
